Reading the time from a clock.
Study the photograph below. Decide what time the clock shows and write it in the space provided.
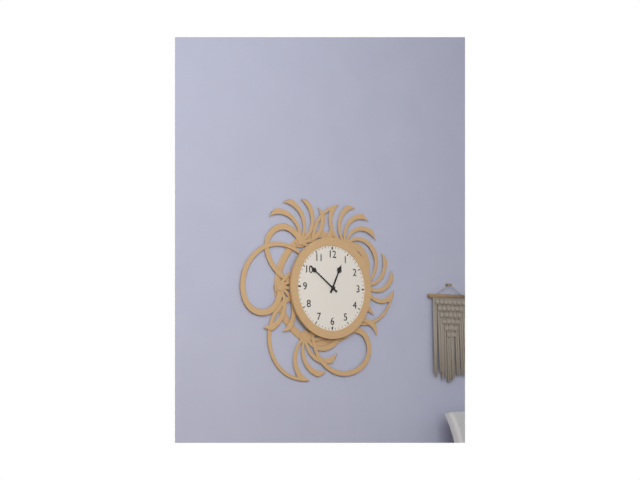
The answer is 12:51
